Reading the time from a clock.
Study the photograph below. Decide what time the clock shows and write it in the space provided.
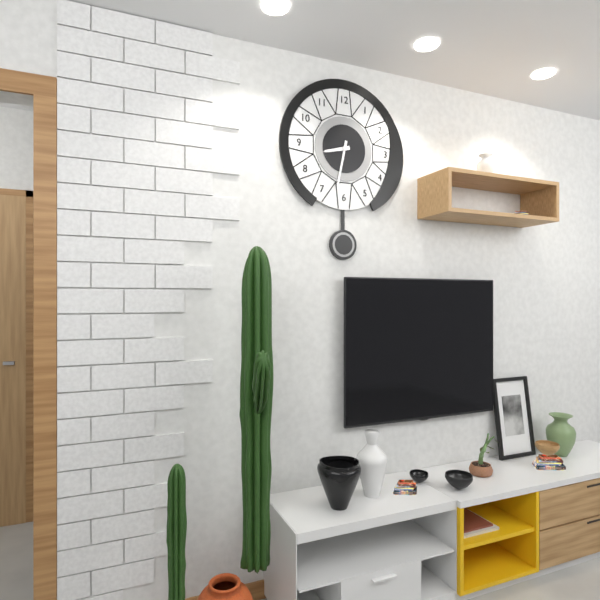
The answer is 8:32
